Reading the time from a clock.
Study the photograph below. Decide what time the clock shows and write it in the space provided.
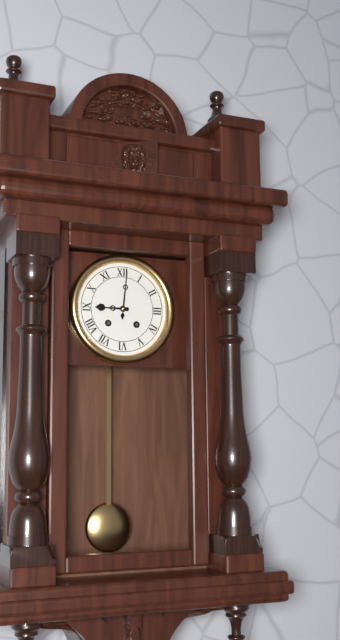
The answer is 9:01
